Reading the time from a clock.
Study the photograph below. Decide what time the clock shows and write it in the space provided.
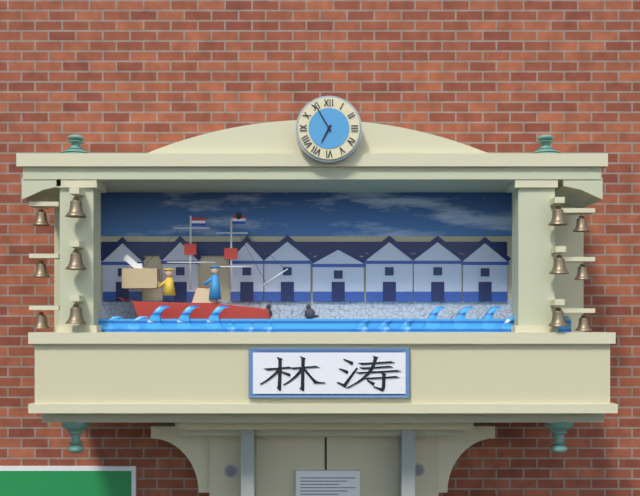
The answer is 6:55
